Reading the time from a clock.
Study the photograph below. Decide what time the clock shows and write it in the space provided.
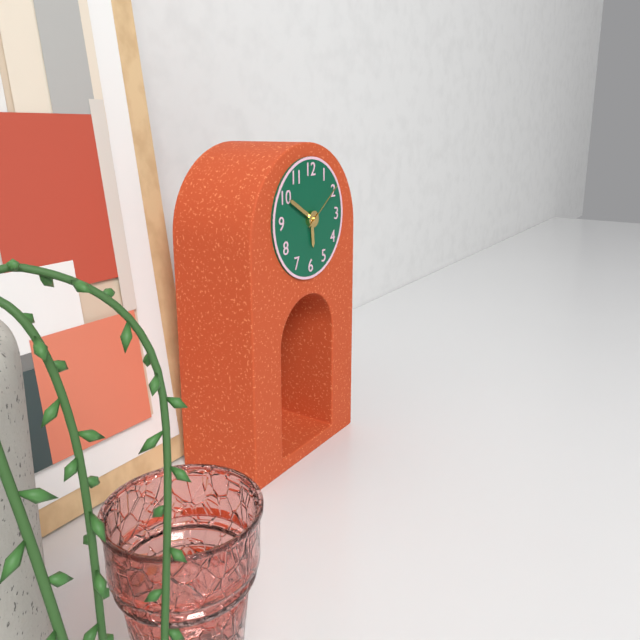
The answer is 5:50:09
